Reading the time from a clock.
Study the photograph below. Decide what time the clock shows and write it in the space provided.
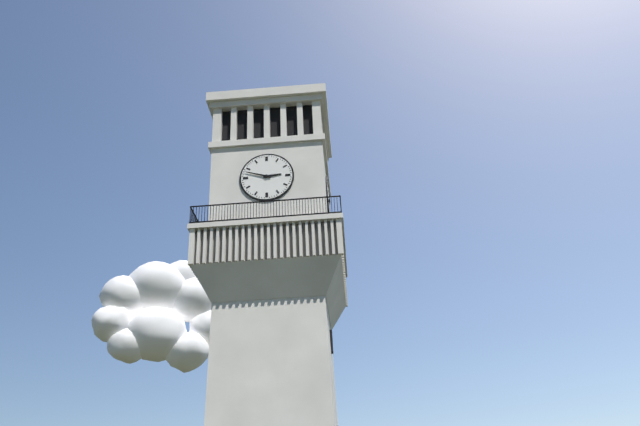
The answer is 2:48
